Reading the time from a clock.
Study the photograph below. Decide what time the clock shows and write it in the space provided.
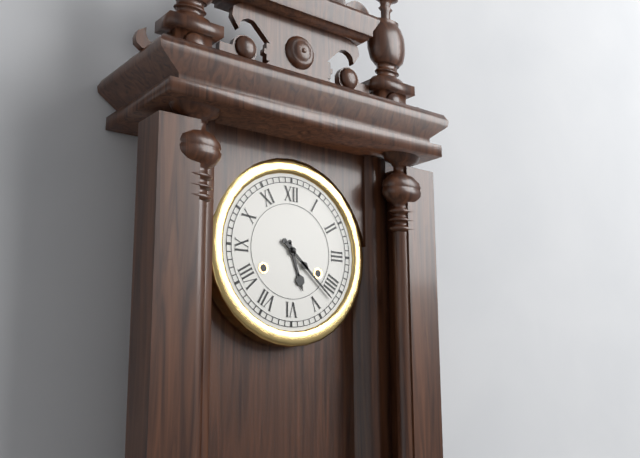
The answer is 5:22
